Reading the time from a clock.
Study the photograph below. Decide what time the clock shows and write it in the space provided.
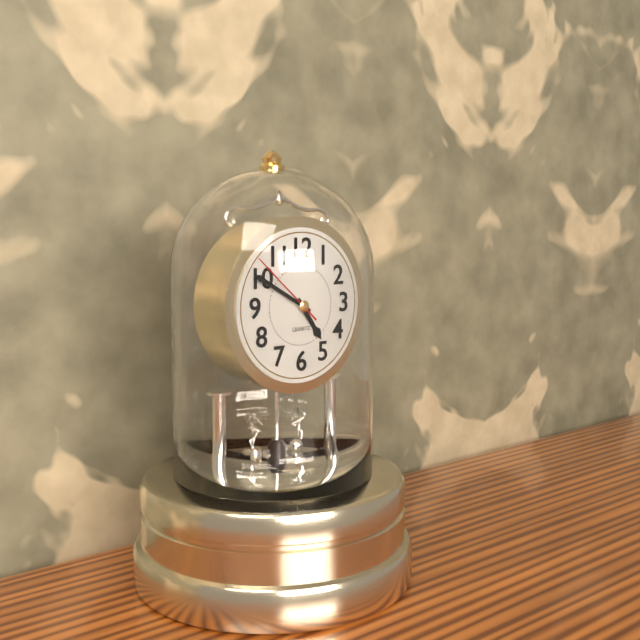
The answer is 4:50:52
